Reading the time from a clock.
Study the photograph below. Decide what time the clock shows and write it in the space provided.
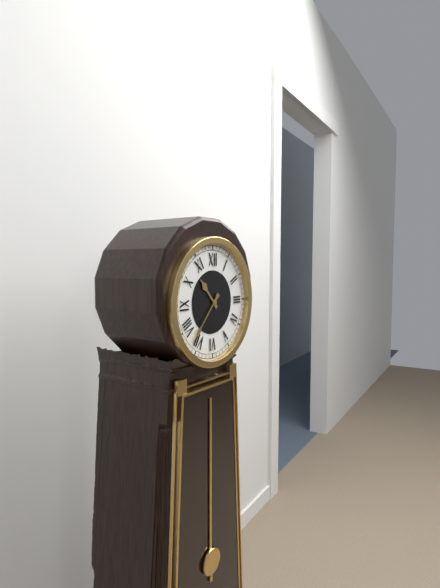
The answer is 10:37
